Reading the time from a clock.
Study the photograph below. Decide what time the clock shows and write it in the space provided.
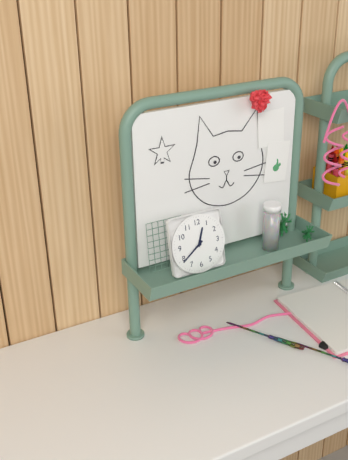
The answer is 12:39
